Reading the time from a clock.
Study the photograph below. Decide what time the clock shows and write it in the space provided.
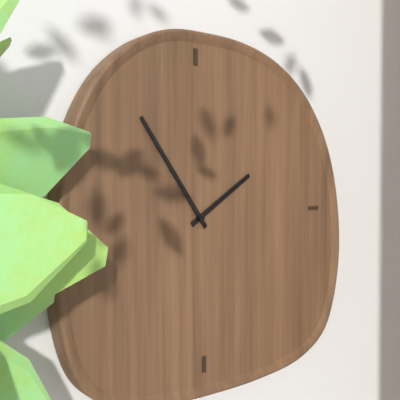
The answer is 1:54
